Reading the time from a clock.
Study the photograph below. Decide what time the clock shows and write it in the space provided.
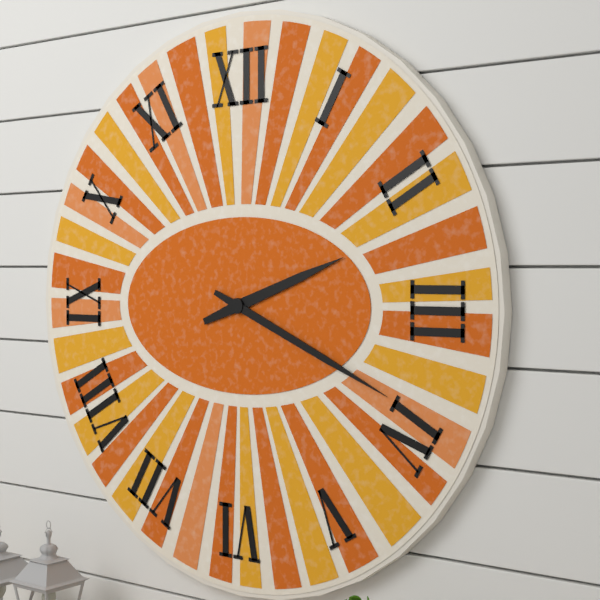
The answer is 2:19
